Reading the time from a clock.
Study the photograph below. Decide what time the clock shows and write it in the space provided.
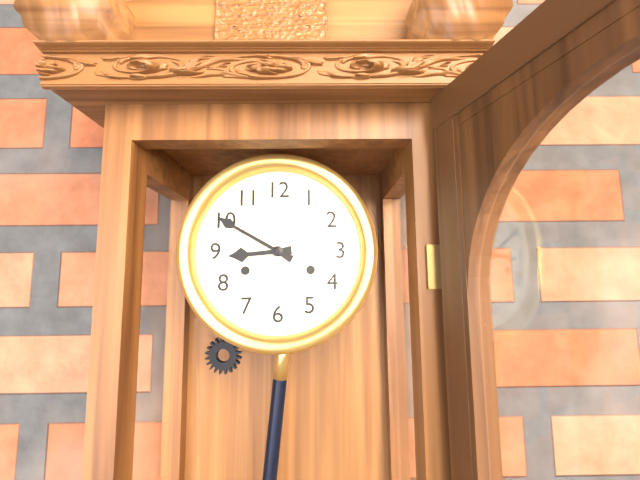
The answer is 8:50
